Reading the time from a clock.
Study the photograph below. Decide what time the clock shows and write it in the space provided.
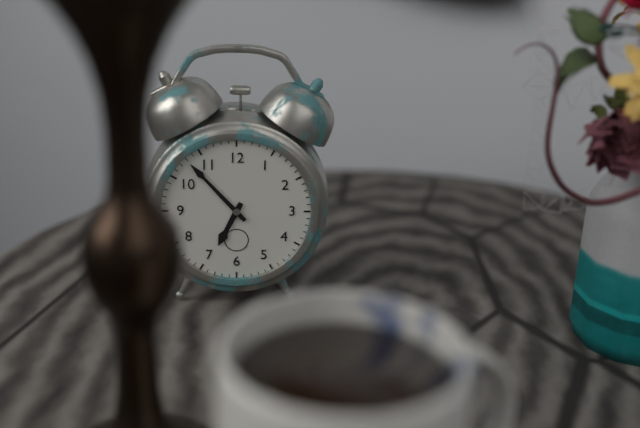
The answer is 6:53
